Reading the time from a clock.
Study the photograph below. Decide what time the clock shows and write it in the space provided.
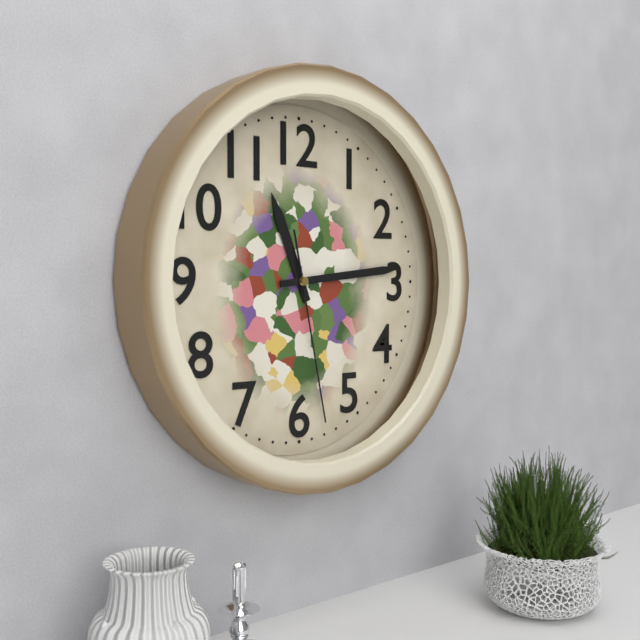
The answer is 11:14:28
